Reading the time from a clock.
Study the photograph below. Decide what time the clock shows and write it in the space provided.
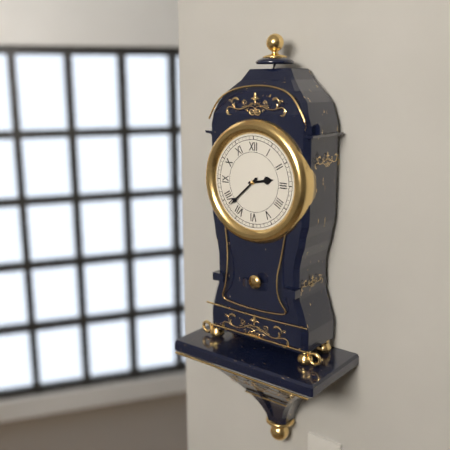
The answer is 2:38
